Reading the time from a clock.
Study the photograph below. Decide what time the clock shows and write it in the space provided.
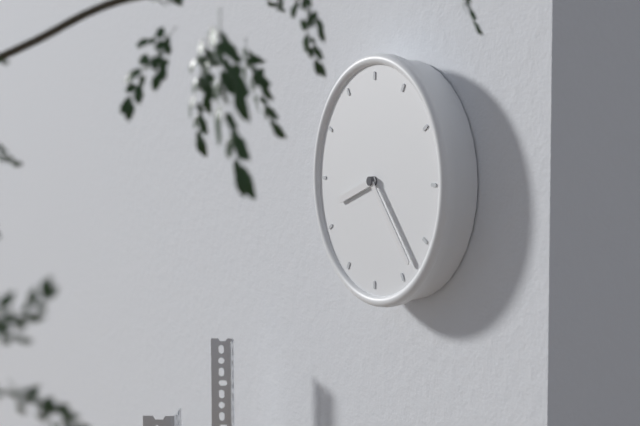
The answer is 8:23
